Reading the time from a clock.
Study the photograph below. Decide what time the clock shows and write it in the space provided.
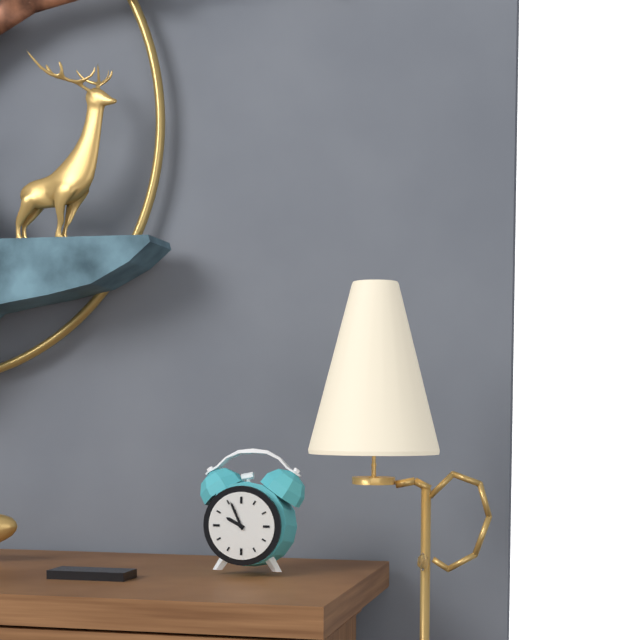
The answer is 9:56
